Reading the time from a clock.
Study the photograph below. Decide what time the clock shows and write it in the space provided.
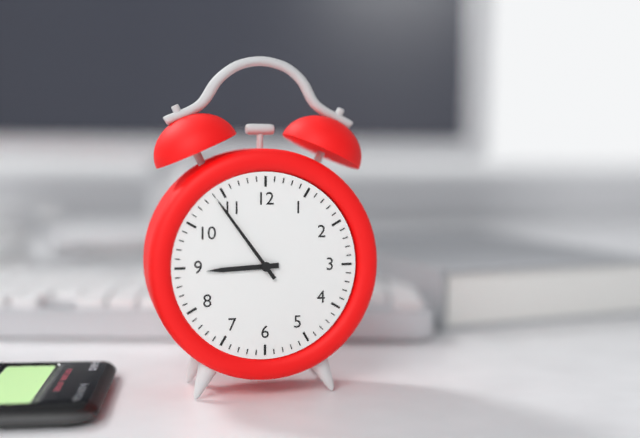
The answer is 8:54
